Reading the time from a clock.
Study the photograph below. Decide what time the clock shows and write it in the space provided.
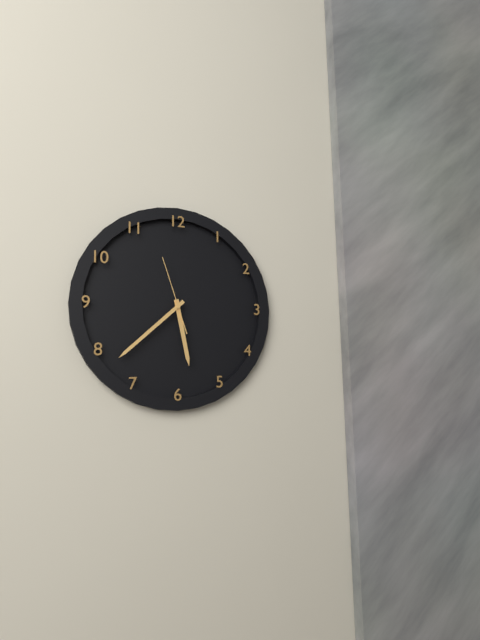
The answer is 5:38:57
